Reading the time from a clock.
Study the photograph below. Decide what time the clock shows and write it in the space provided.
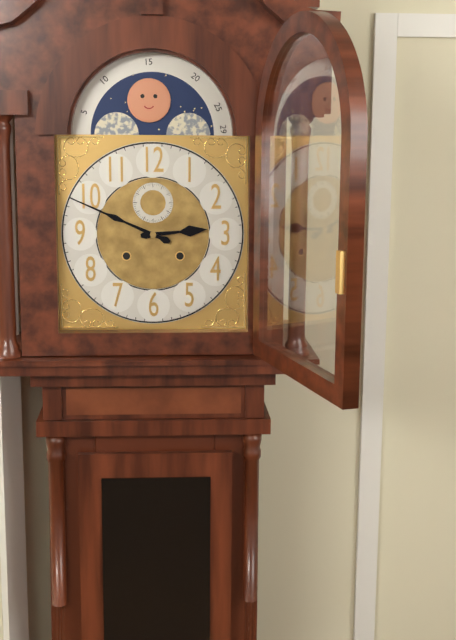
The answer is 2:49
